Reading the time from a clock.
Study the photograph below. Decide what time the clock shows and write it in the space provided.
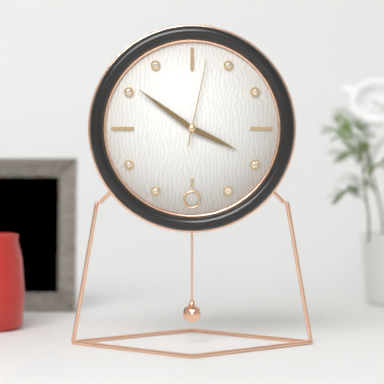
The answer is 3:51:02
